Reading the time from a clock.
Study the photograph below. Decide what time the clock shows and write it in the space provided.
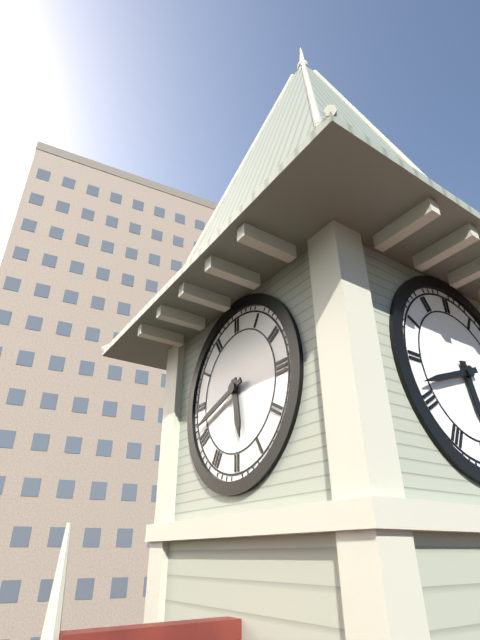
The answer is 5:42
